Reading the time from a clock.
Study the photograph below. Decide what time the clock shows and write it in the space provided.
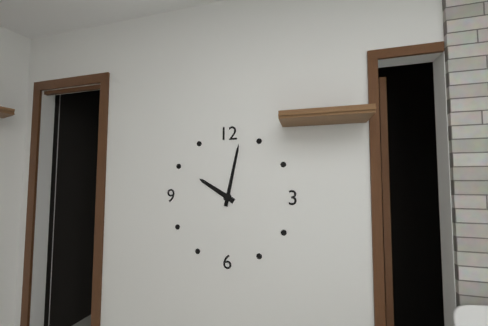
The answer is 10:02
